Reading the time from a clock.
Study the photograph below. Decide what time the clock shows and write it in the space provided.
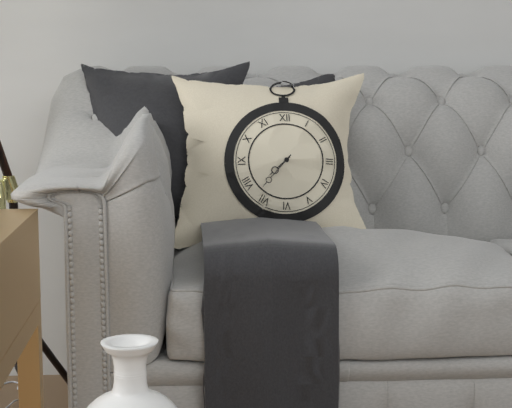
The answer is 7:37
